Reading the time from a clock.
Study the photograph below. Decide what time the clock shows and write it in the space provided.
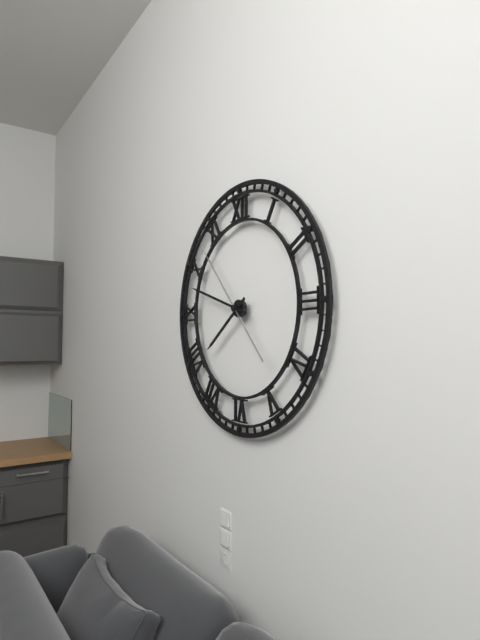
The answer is 7:48:53
